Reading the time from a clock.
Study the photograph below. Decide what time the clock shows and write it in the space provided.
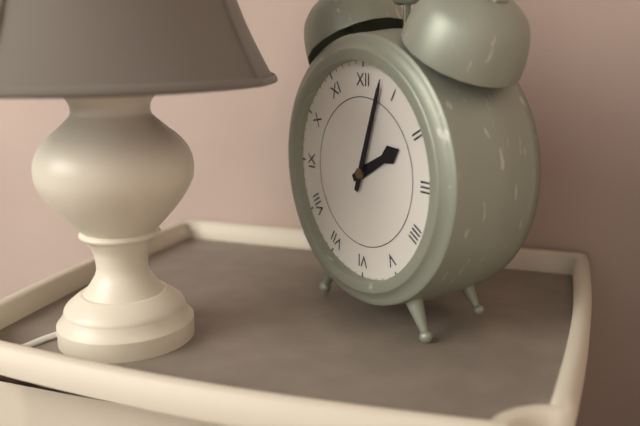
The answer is 2:03
